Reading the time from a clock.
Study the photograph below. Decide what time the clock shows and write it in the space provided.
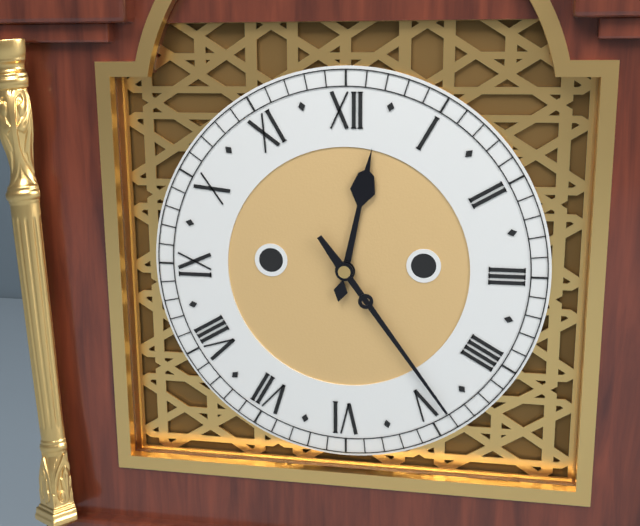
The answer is 12:24
